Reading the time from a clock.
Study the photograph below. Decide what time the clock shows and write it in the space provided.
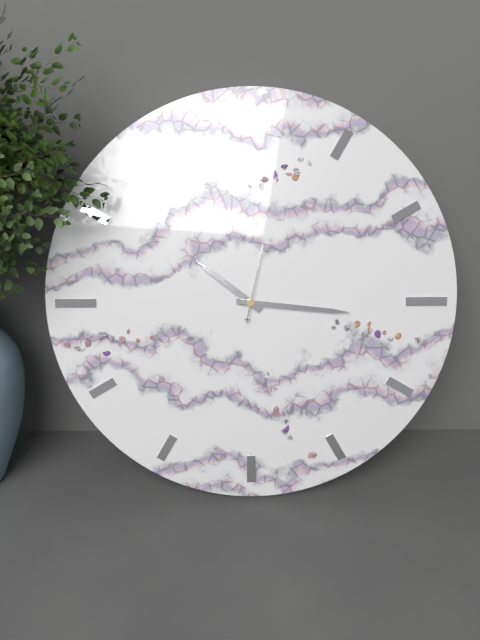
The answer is 10:16:02
